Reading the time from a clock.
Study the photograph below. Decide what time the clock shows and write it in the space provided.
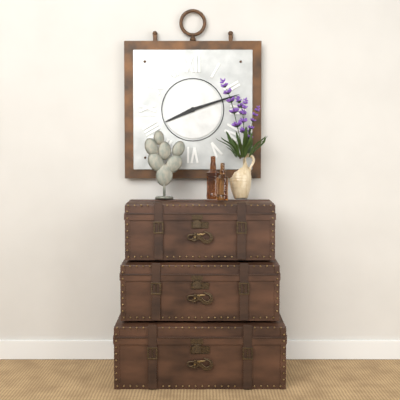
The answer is 8:12
